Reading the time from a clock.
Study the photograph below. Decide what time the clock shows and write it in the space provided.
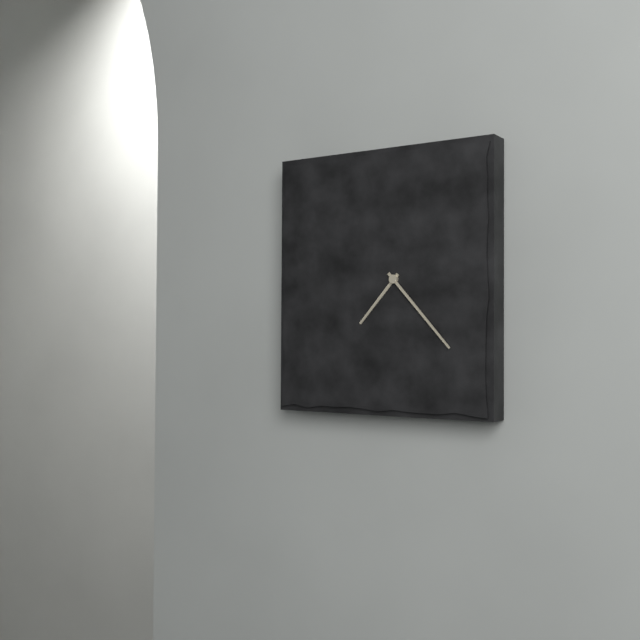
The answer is 7:23
